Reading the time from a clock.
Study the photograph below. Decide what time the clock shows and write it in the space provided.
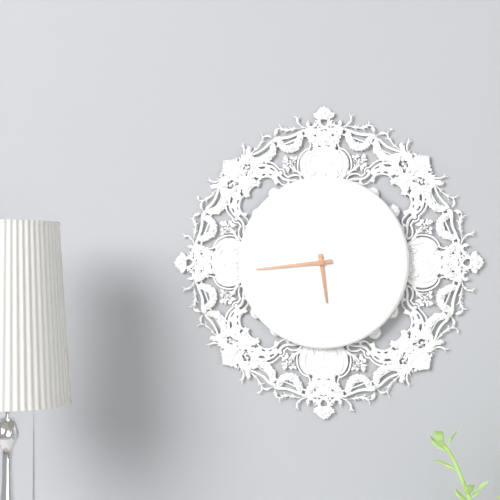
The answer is 5:44
